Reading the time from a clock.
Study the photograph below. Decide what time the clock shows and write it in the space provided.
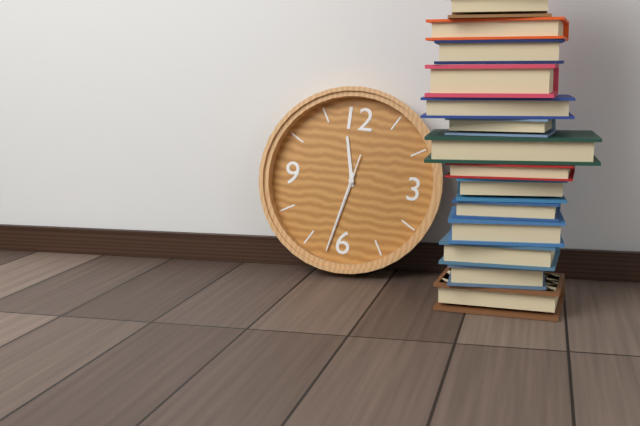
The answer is 11:32:32
